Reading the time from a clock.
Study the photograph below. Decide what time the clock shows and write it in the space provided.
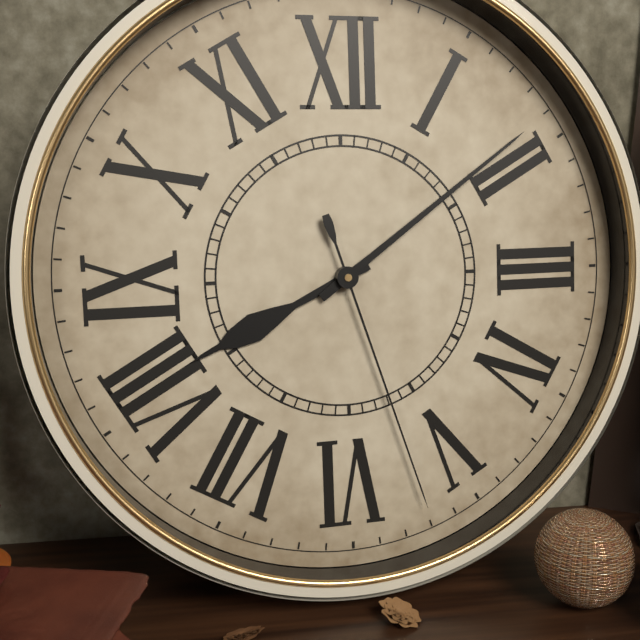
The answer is 8:09:27
